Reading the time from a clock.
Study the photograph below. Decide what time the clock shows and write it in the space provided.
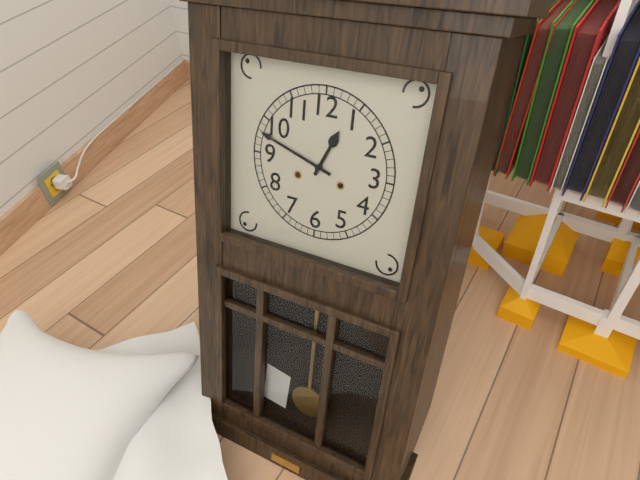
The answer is 12:48
